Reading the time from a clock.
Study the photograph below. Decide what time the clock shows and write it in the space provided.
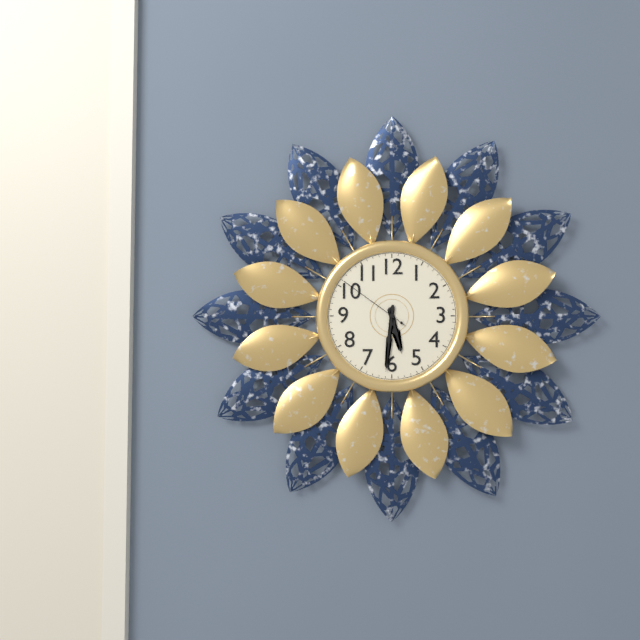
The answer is 5:31:51
